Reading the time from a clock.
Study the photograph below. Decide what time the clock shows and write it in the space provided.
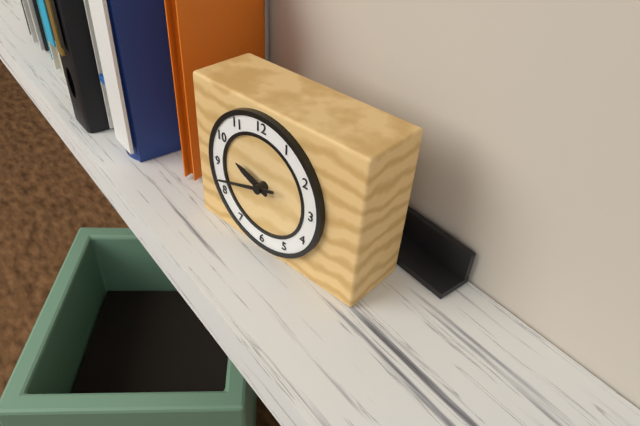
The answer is 9:42
